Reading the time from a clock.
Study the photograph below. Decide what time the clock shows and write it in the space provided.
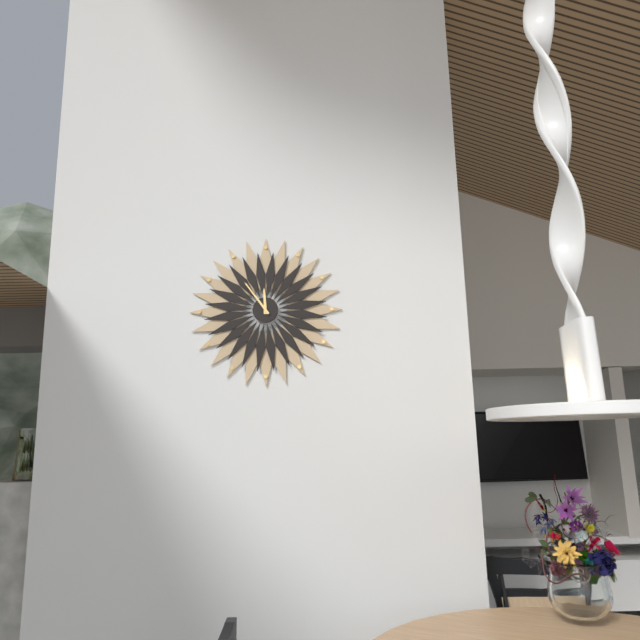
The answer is 11:54
